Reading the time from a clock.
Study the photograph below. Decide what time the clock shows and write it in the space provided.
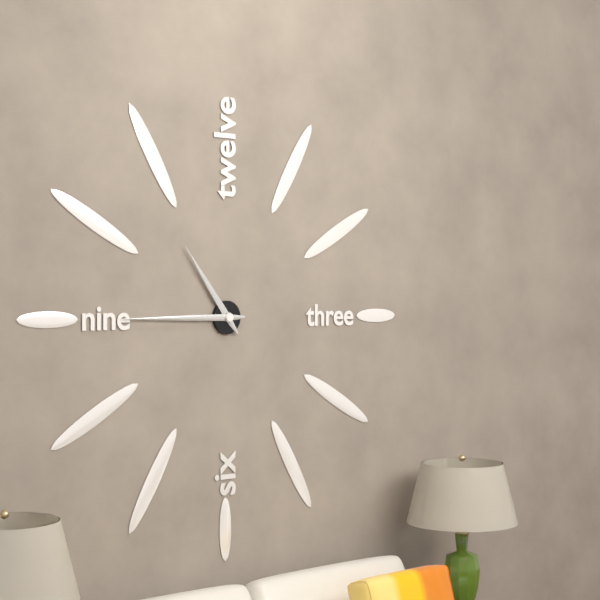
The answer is 10:45
